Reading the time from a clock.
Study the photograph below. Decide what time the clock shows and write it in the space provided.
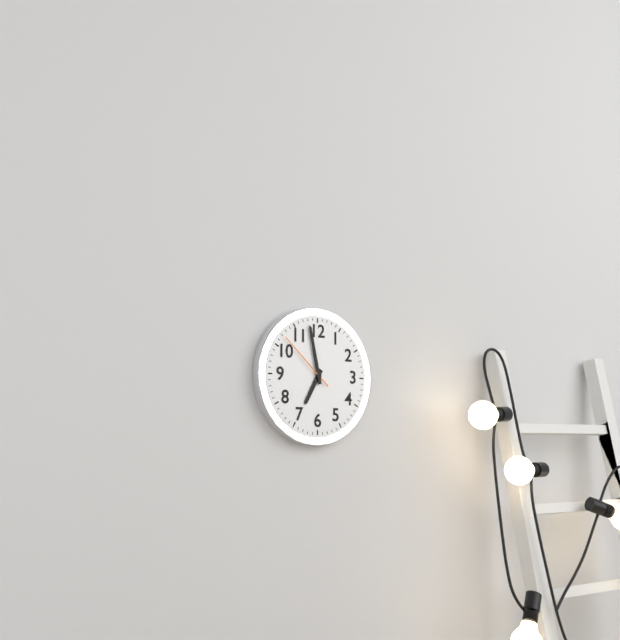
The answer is 6:58:52
